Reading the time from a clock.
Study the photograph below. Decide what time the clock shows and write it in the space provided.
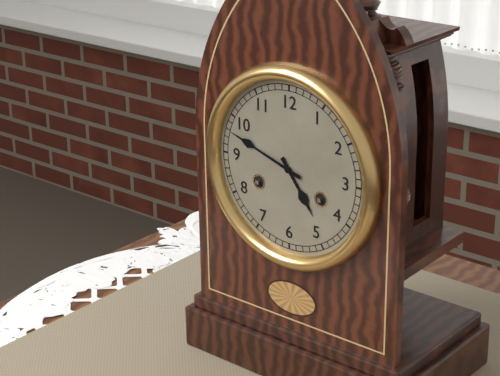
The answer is 4:48
